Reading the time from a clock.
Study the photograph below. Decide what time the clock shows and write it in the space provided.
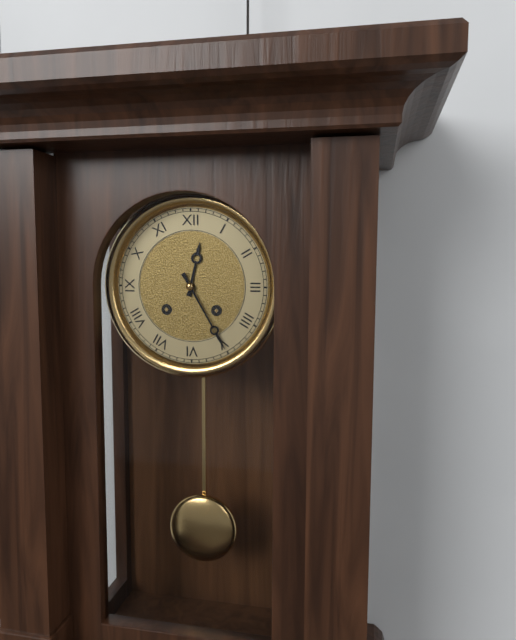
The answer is 12:25
